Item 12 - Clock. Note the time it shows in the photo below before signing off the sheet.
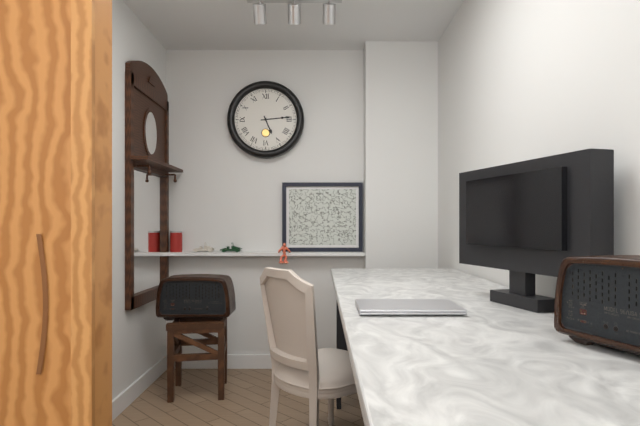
5:14
